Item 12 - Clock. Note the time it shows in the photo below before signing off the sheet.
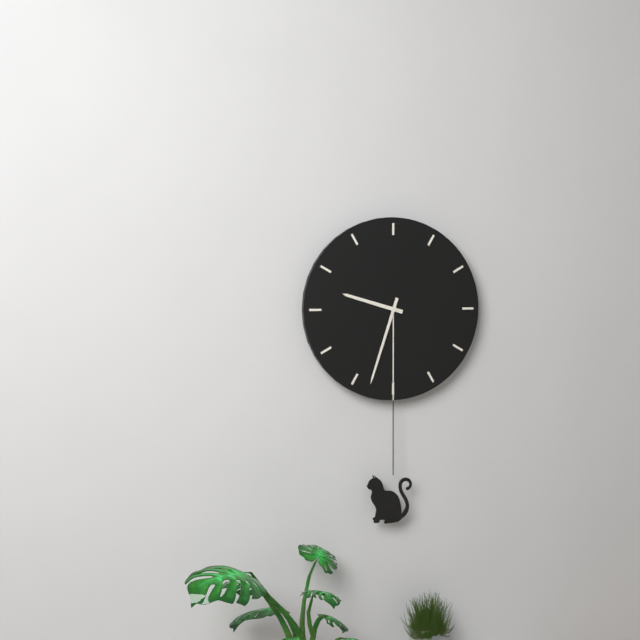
9:33
